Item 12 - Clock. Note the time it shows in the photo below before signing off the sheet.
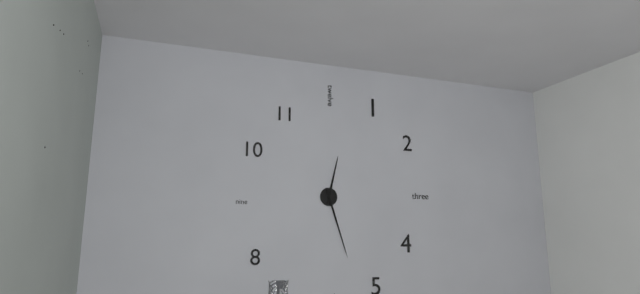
12:27
